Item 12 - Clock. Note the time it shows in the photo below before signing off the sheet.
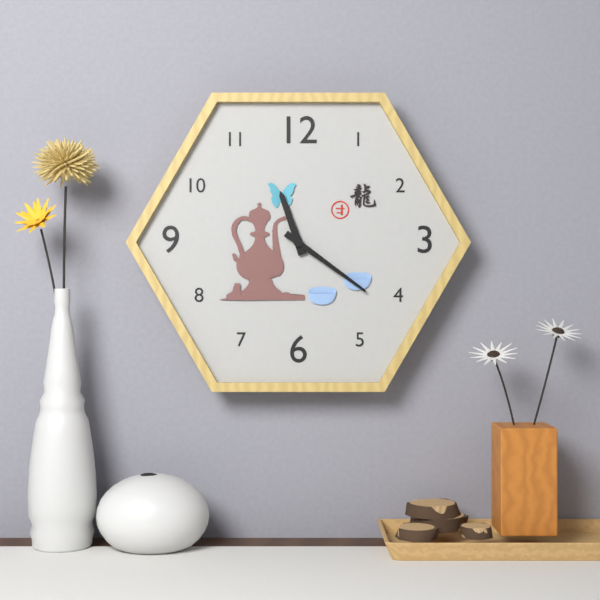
11:21
